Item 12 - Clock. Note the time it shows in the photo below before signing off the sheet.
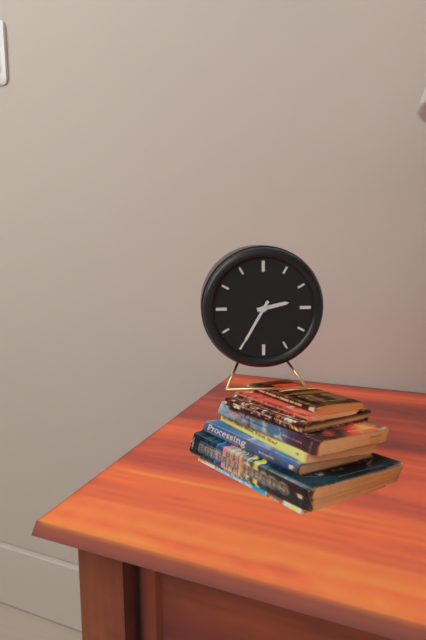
2:35
